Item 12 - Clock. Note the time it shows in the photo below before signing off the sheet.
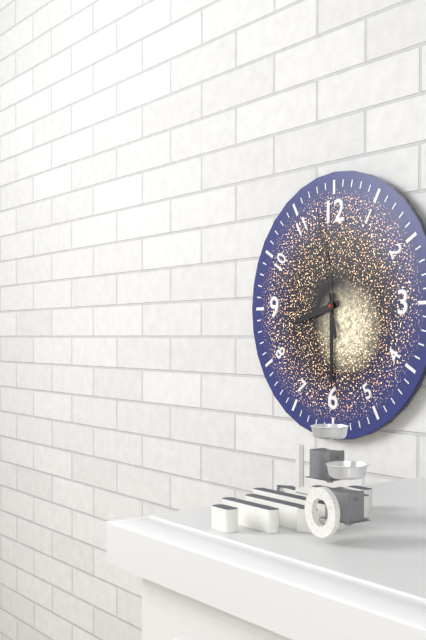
8:30:58
